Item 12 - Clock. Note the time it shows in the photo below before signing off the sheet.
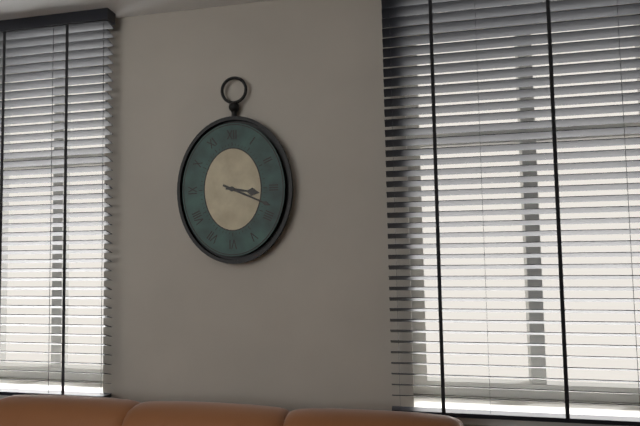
3:19
